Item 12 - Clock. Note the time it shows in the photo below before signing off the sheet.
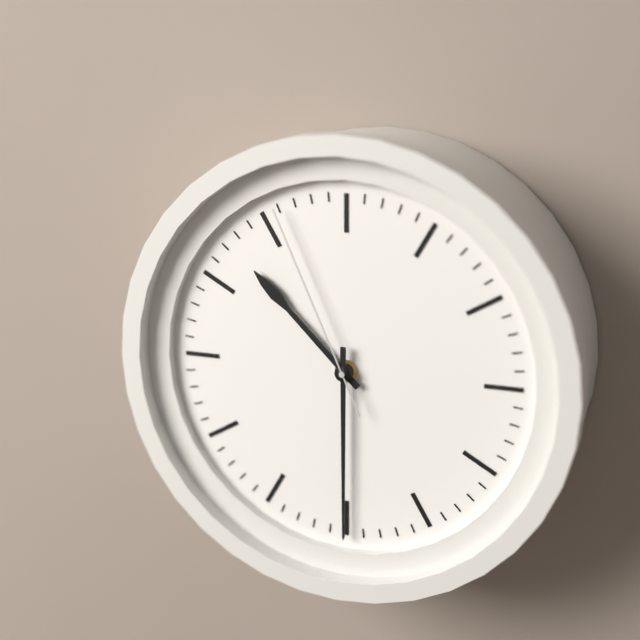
10:30:56
